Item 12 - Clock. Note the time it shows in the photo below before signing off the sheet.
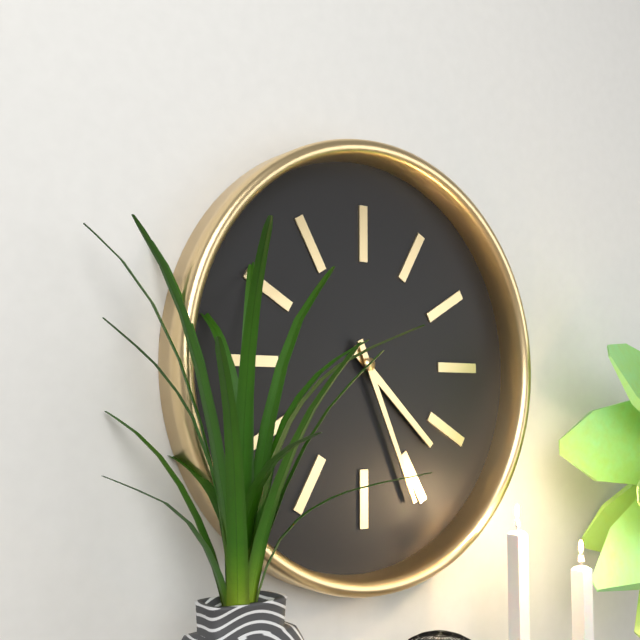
4:26
